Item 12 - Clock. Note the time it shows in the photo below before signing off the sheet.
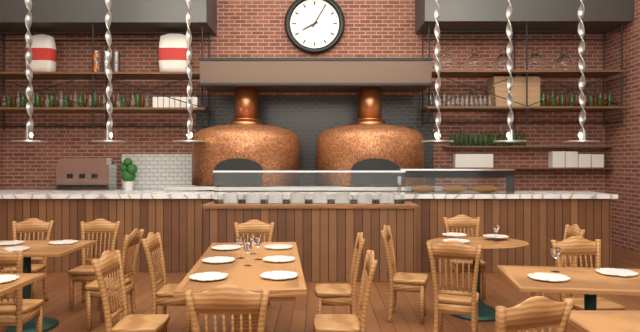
8:05
